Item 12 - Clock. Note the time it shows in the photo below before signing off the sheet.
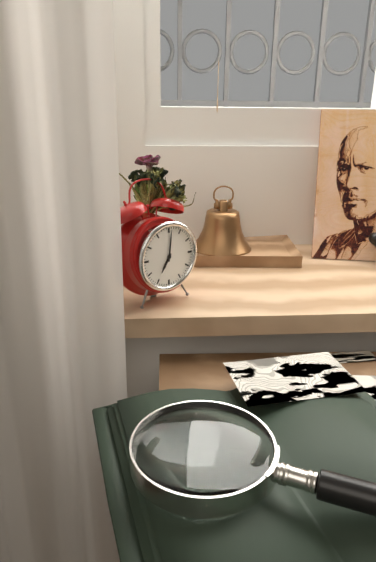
7:01
